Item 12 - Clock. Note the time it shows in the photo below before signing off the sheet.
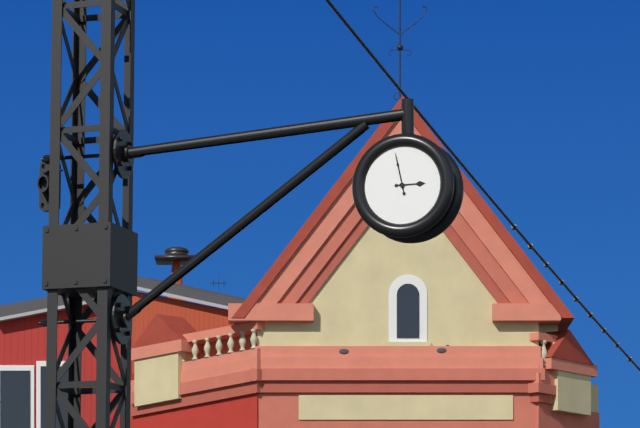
2:58
